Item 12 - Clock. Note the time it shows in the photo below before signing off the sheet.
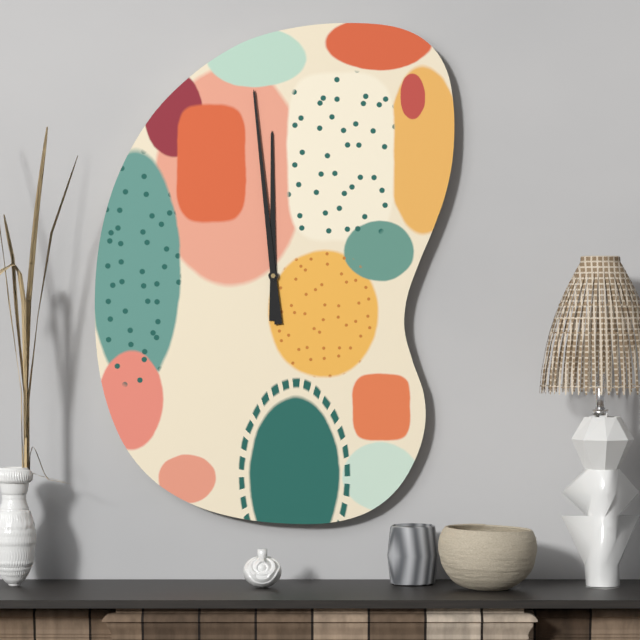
11:59
